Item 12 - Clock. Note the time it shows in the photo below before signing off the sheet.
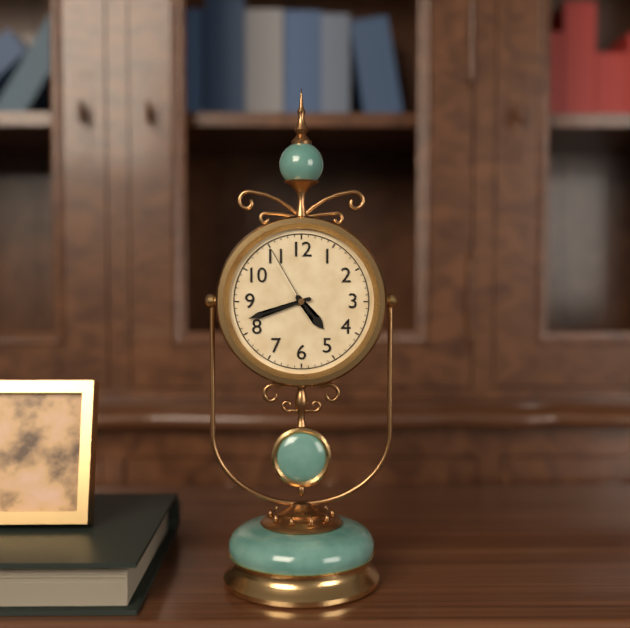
4:42:55
